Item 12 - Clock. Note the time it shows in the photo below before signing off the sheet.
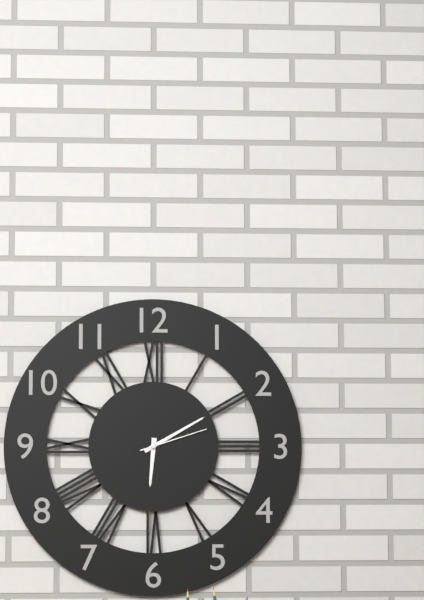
6:10:12
